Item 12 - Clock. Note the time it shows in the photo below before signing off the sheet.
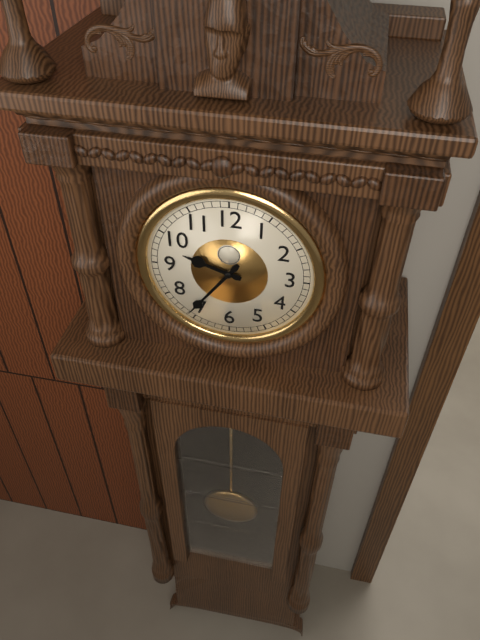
9:36
